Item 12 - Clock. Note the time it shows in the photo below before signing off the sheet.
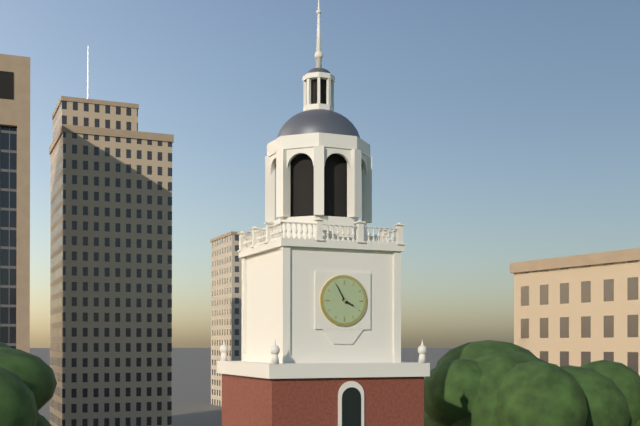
3:55
